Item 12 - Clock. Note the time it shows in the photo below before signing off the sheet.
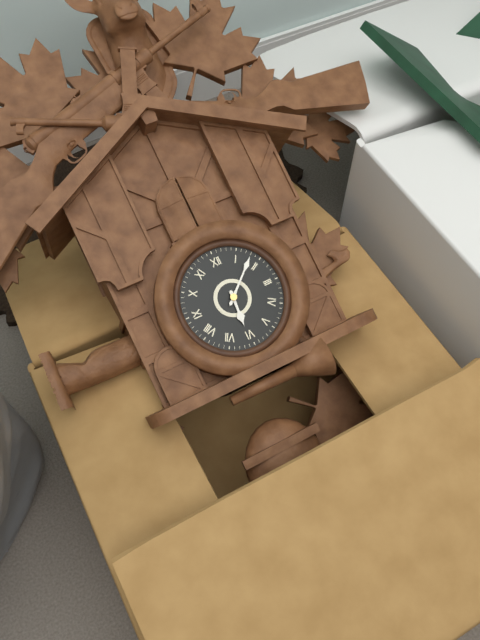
6:08
